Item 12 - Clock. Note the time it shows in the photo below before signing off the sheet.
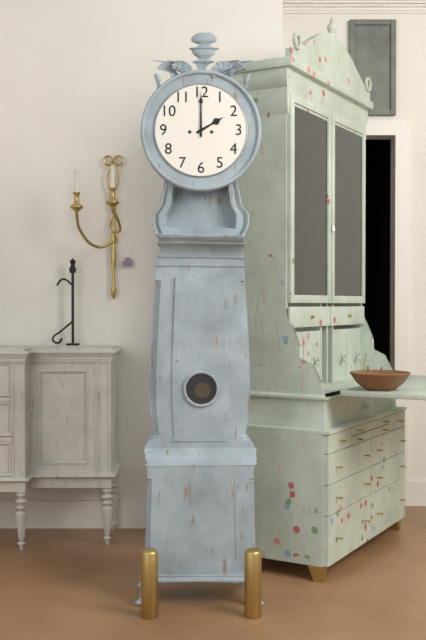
2:00
